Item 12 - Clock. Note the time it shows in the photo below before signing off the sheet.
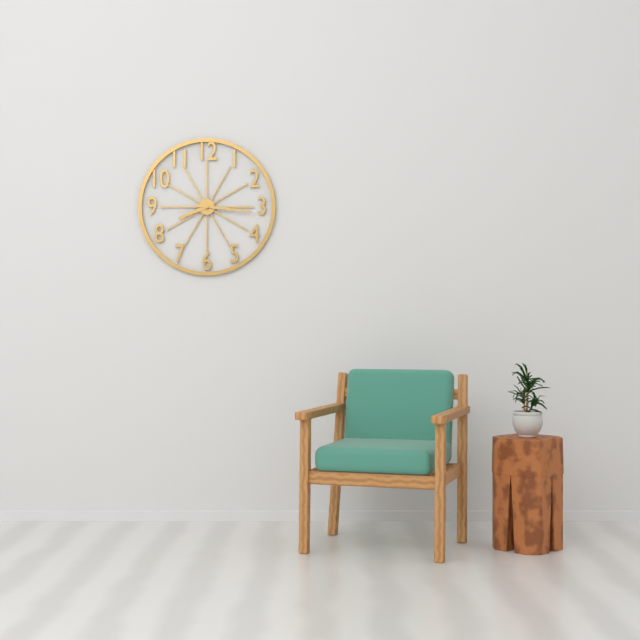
8:16
